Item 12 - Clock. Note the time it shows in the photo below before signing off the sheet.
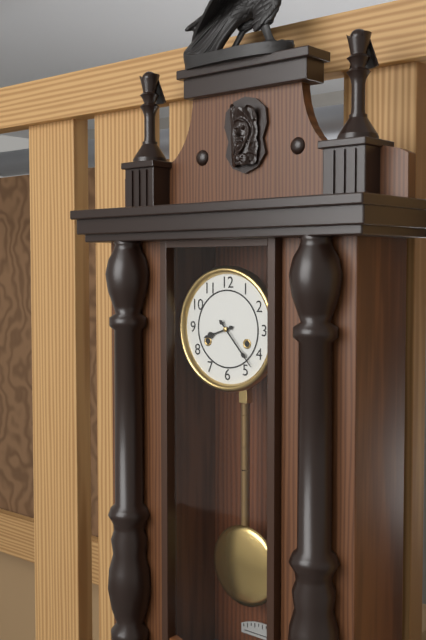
8:23
